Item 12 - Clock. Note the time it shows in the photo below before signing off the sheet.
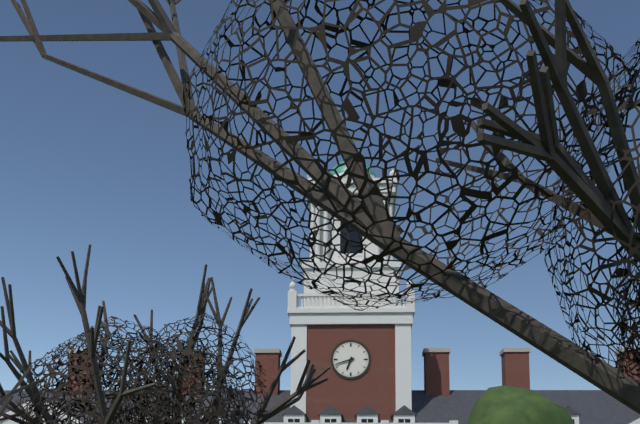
6:42
